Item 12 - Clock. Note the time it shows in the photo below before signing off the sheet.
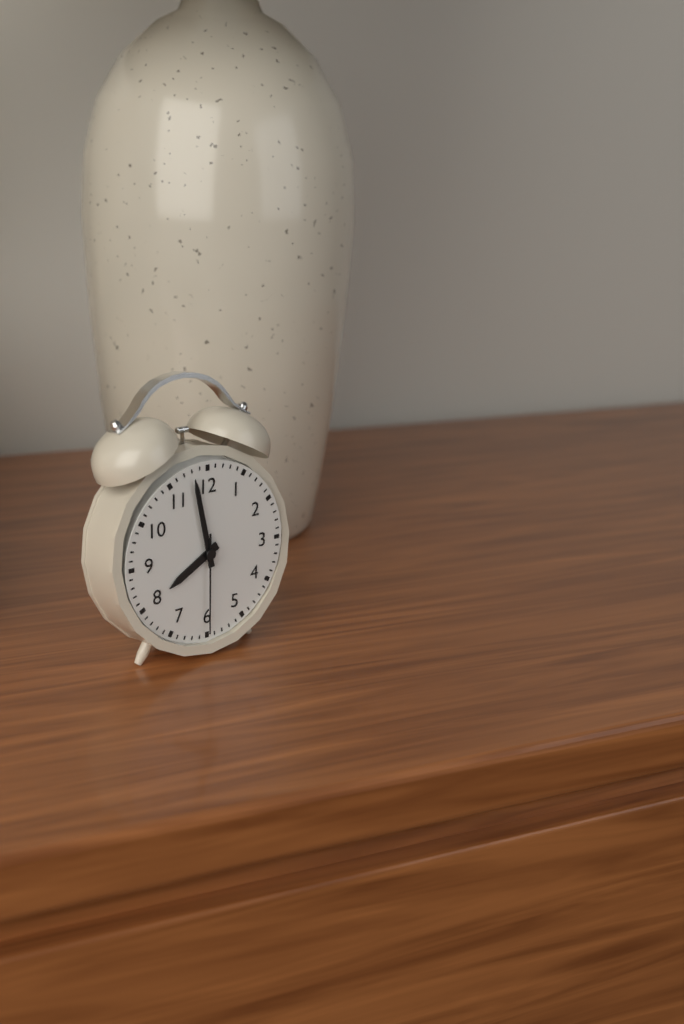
7:58:30
